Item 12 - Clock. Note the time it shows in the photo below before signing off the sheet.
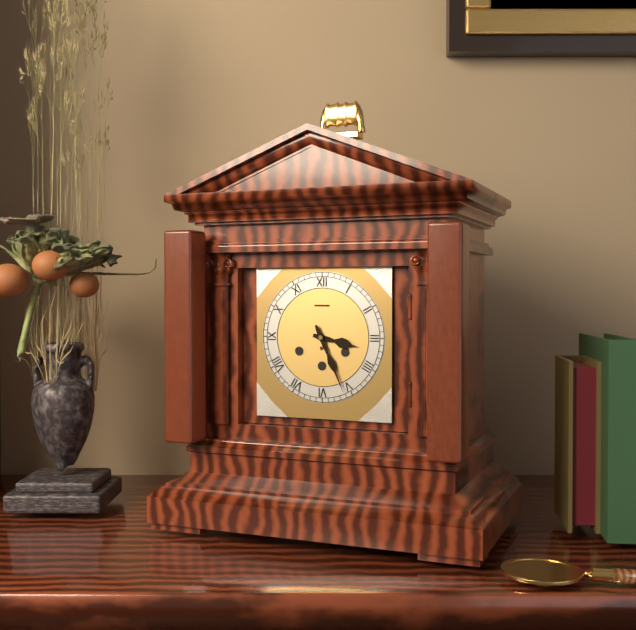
3:26
